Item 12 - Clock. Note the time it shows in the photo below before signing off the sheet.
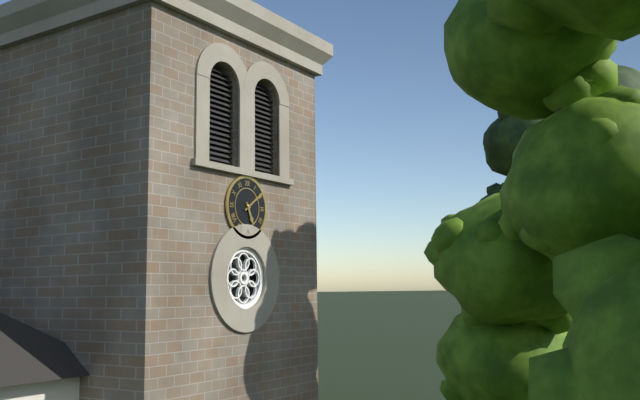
5:09
